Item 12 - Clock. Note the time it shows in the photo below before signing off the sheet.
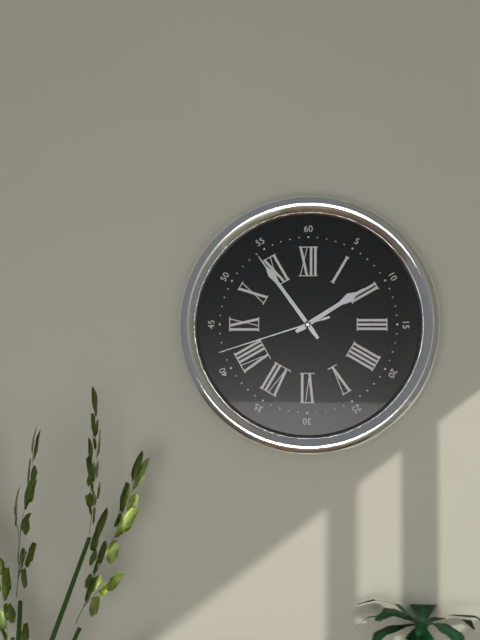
1:54:42
